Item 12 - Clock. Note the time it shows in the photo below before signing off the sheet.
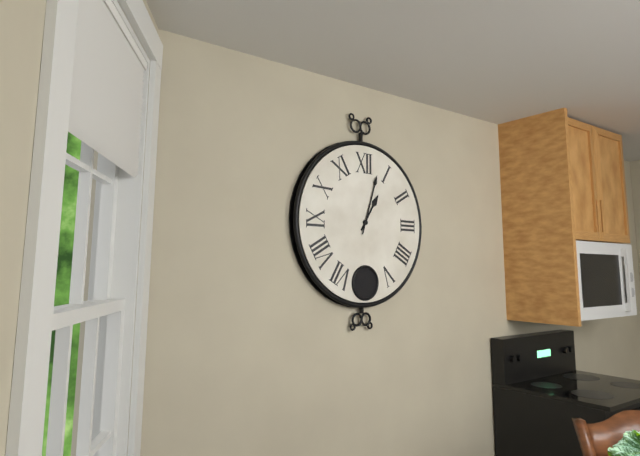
1:03
